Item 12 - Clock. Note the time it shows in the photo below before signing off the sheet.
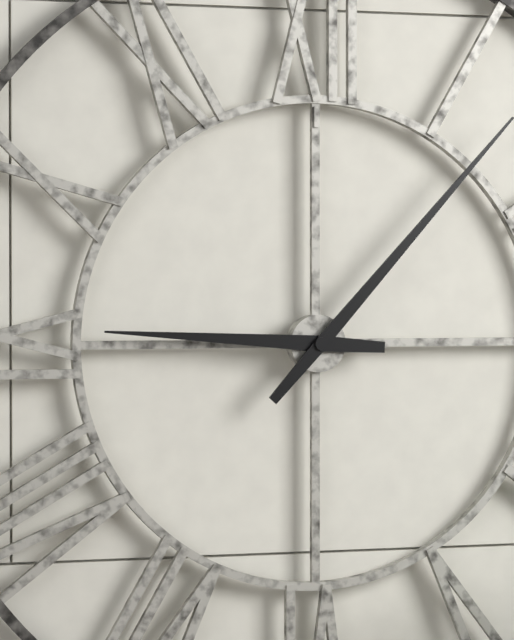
9:07
